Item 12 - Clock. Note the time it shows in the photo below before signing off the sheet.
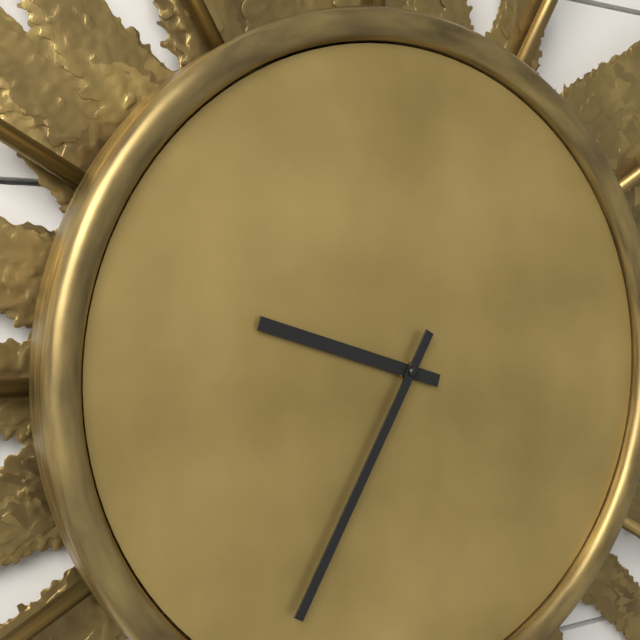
9:35
